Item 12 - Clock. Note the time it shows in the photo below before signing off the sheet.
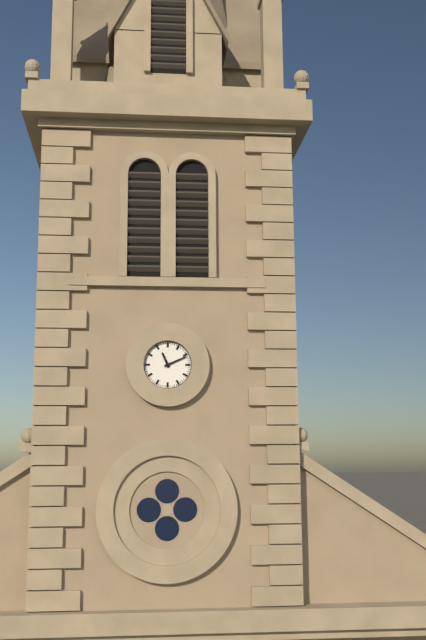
11:11
